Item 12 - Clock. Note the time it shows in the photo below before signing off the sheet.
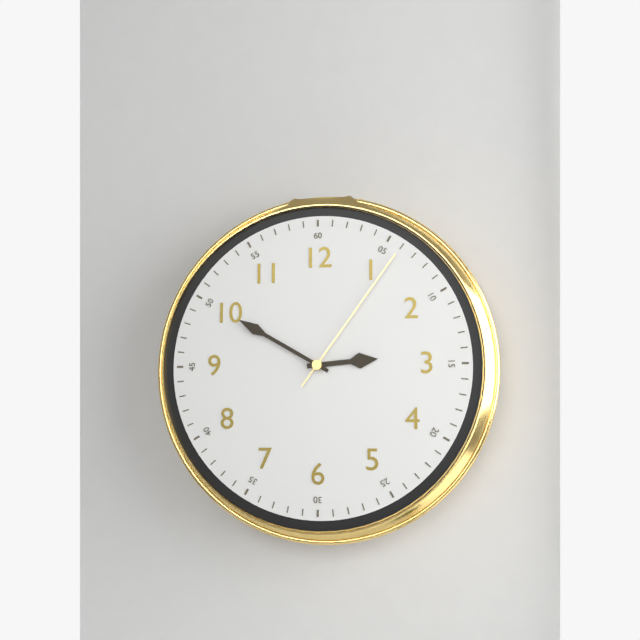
2:50:06
